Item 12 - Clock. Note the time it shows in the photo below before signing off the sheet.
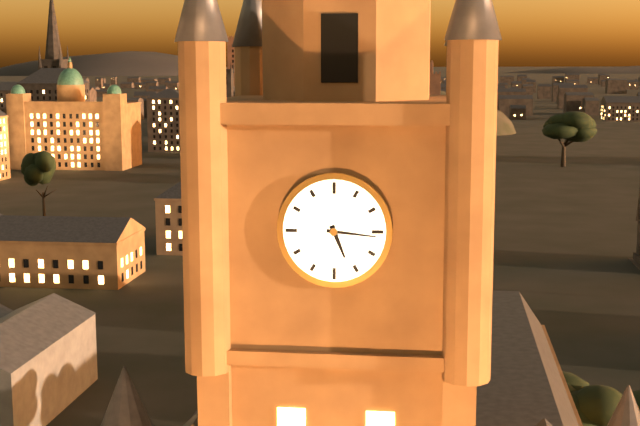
5:16
